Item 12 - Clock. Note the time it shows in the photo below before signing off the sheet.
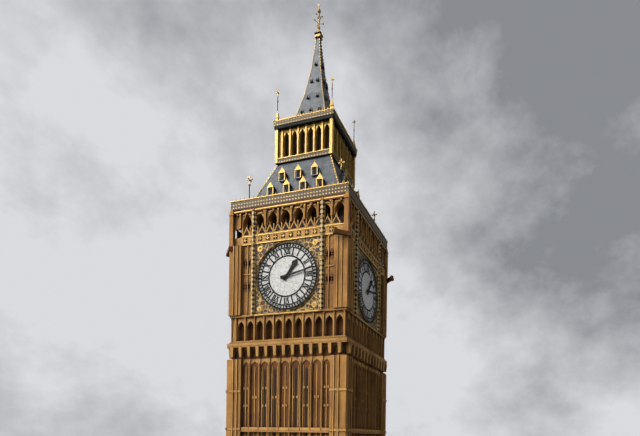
1:13
